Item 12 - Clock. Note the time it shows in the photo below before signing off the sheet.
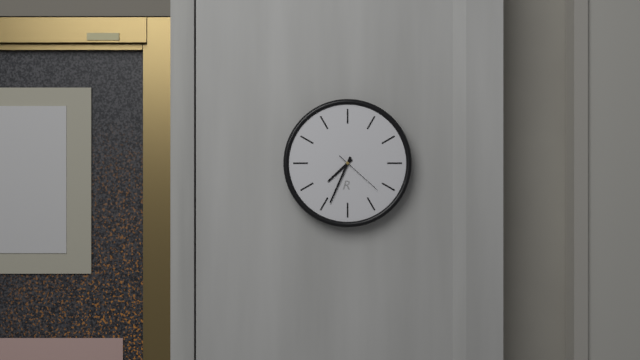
7:34:22
